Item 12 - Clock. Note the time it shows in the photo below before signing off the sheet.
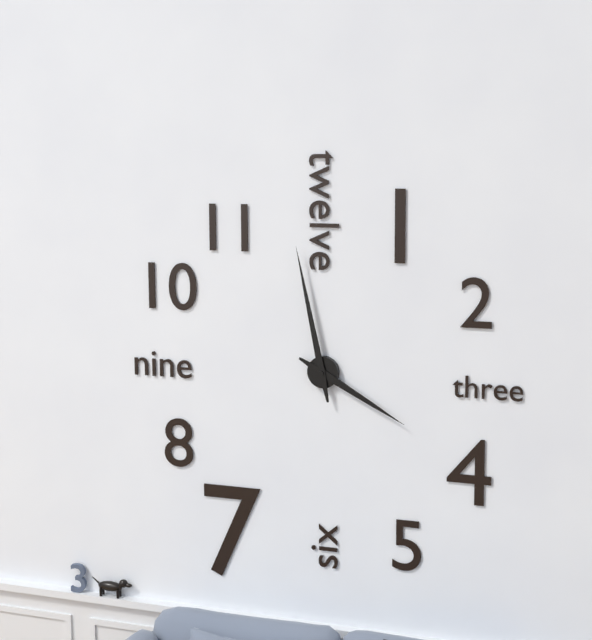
3:58
